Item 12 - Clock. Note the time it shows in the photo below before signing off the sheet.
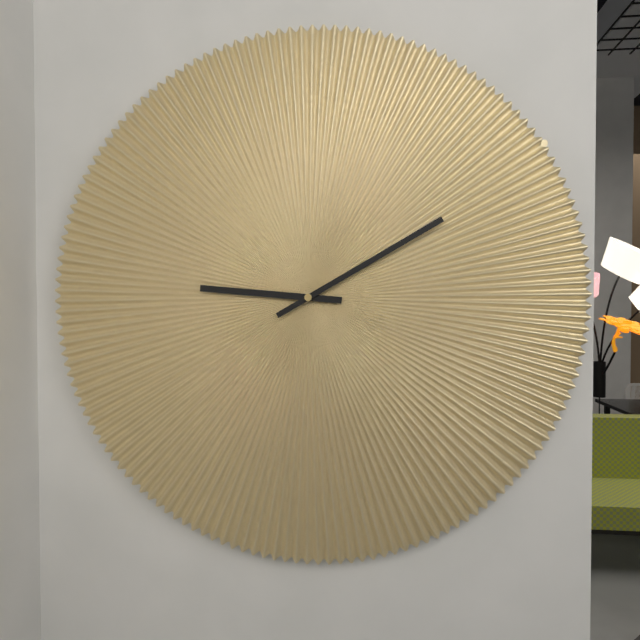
9:10
